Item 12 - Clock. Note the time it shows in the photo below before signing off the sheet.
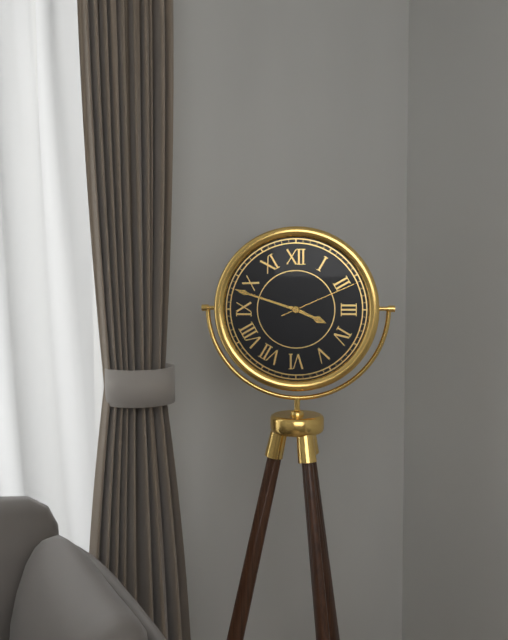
3:48:11
